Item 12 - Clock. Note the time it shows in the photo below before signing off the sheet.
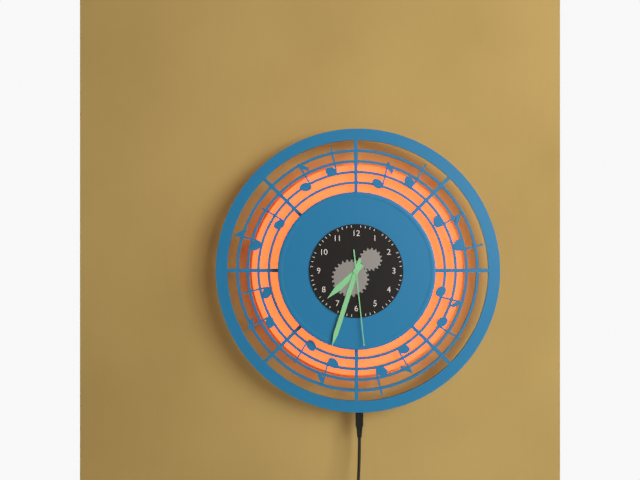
7:33:29
